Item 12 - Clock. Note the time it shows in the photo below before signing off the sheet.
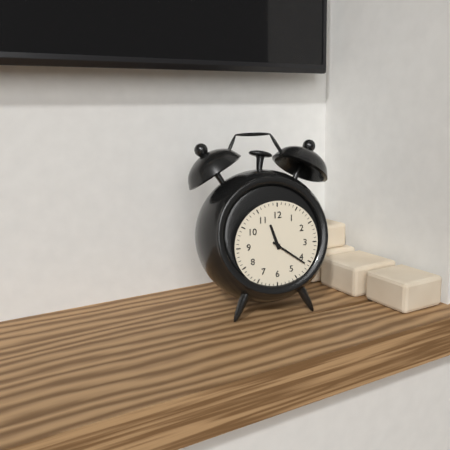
11:21
